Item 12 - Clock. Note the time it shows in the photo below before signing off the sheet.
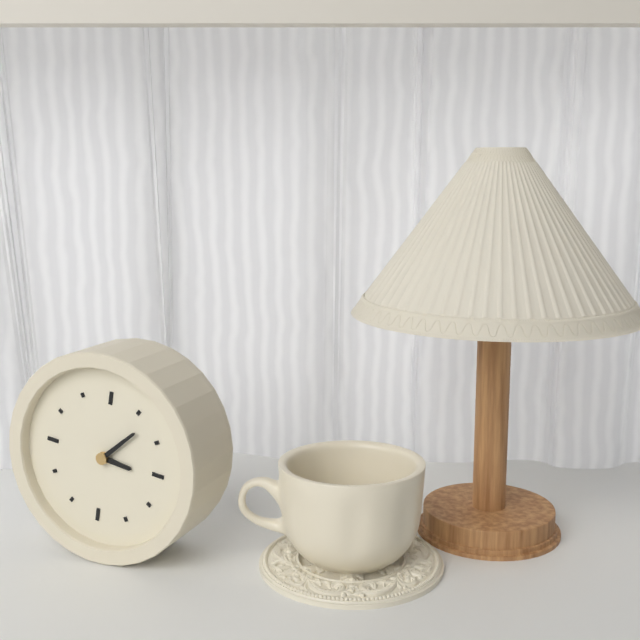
3:07
